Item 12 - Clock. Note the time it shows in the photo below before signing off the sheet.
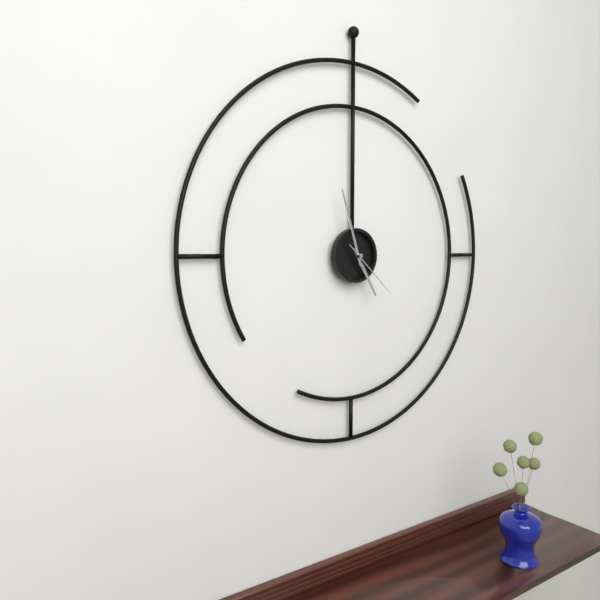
4:57:22
